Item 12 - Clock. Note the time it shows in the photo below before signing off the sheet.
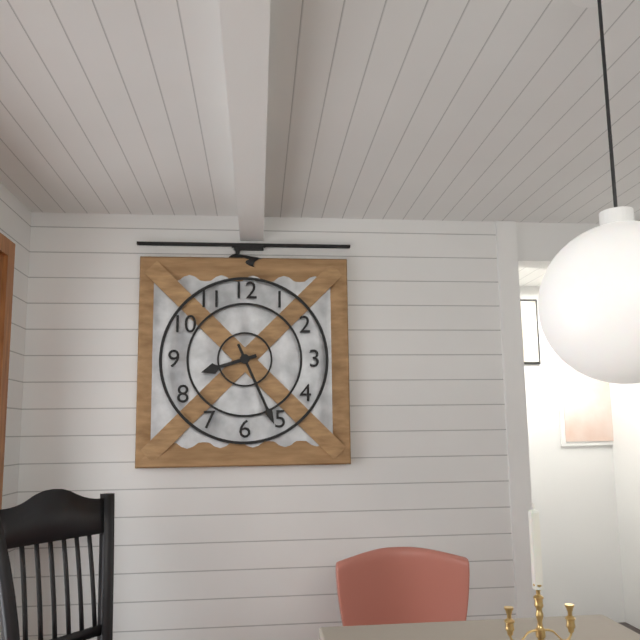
8:26
